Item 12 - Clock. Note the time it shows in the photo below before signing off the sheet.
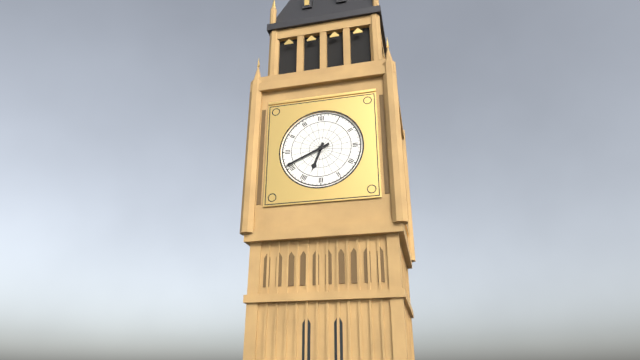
6:41
